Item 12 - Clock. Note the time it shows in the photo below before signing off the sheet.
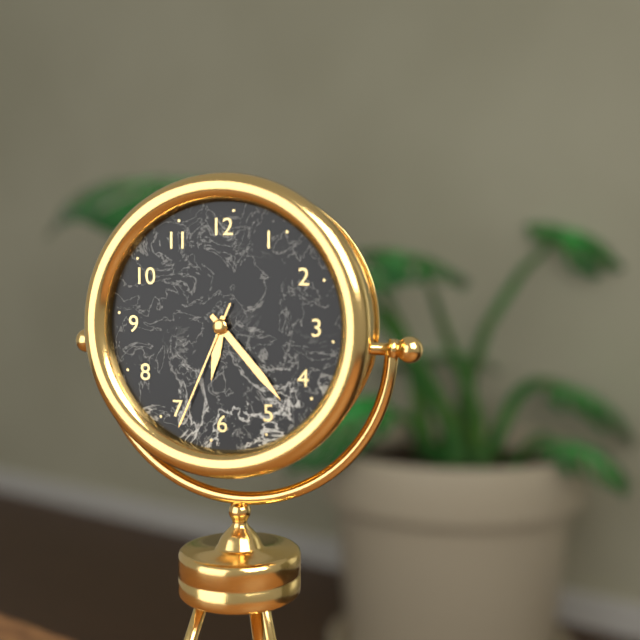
6:23:34
